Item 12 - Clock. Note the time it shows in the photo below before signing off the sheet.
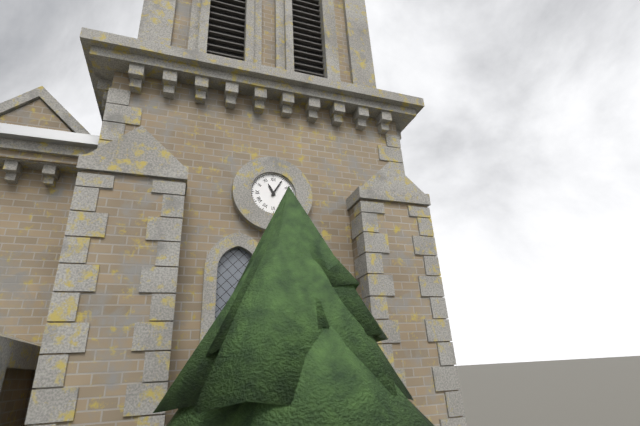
11:05
